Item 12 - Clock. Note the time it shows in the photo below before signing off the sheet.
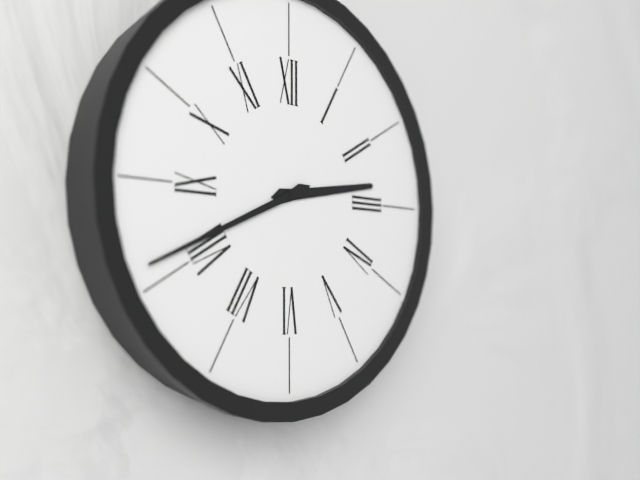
2:41
